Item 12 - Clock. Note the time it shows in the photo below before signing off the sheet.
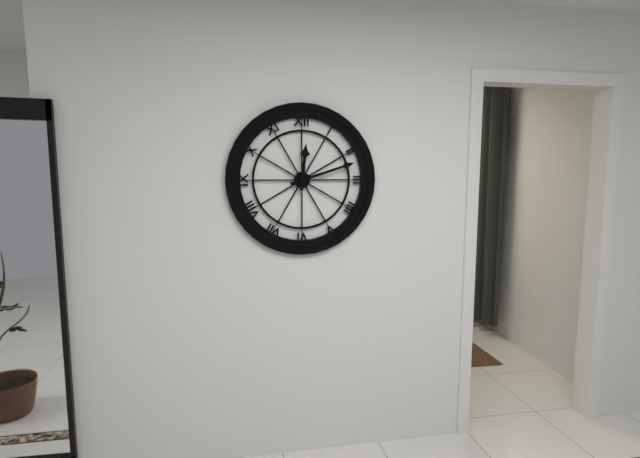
12:12
